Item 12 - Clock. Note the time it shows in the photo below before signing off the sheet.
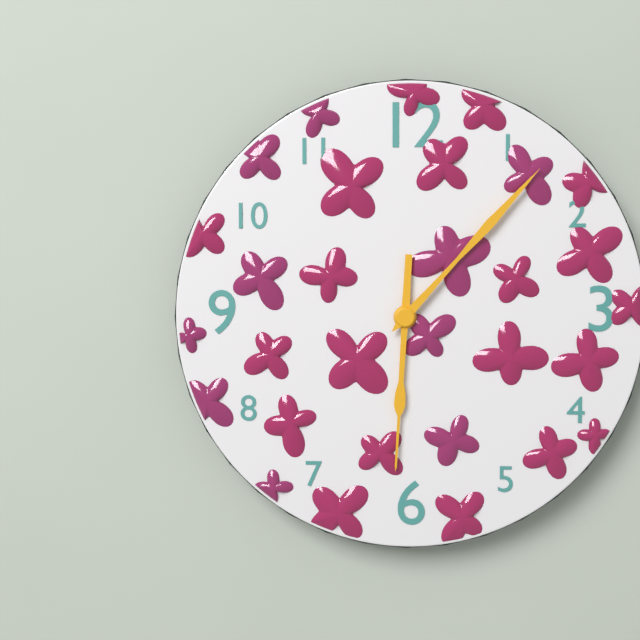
6:07
